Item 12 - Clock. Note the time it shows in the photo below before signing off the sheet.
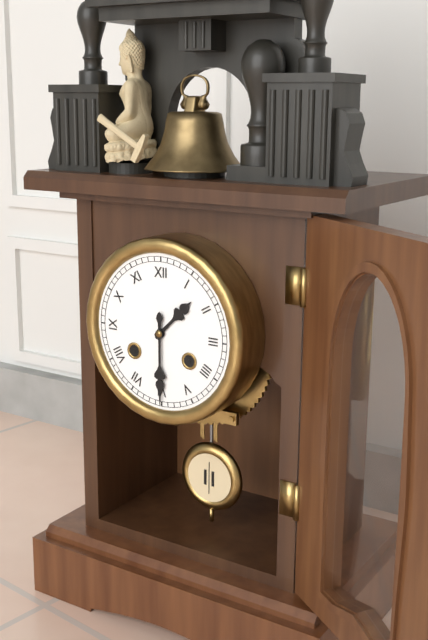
1:30
